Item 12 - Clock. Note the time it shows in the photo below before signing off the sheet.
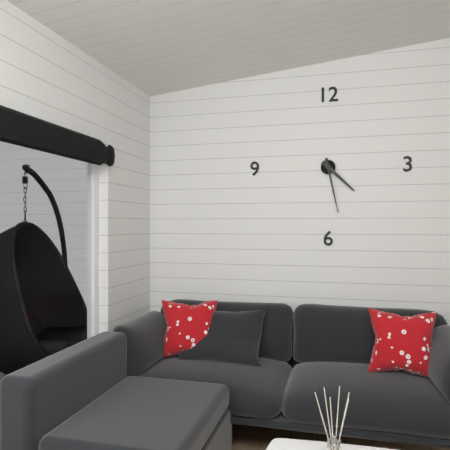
4:28
